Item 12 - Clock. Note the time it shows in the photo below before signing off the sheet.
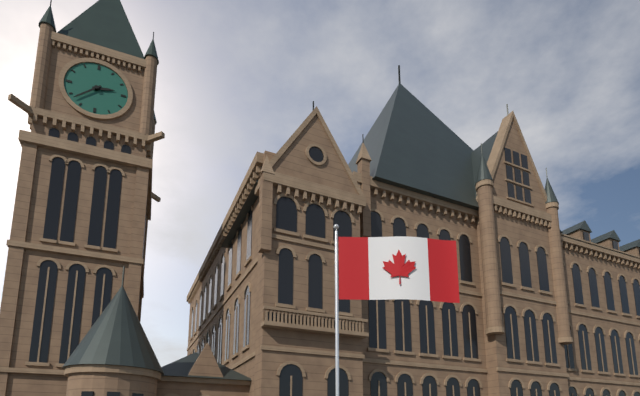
2:38
